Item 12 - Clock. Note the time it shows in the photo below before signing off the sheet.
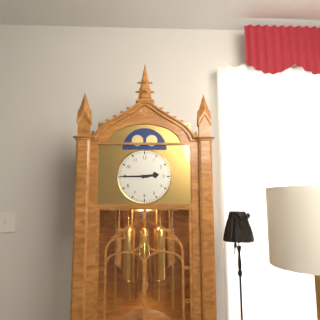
2:45
